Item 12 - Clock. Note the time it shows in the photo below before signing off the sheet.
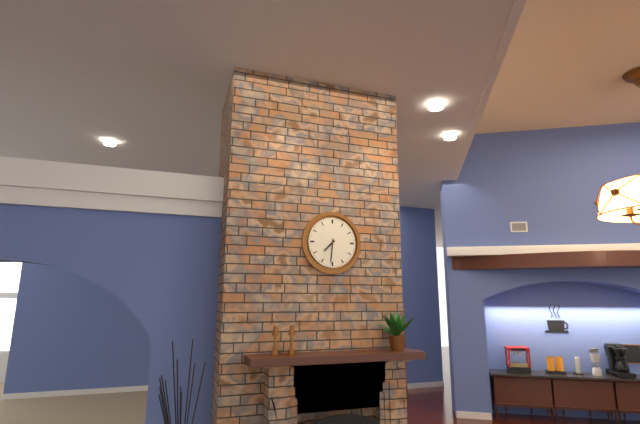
7:31
